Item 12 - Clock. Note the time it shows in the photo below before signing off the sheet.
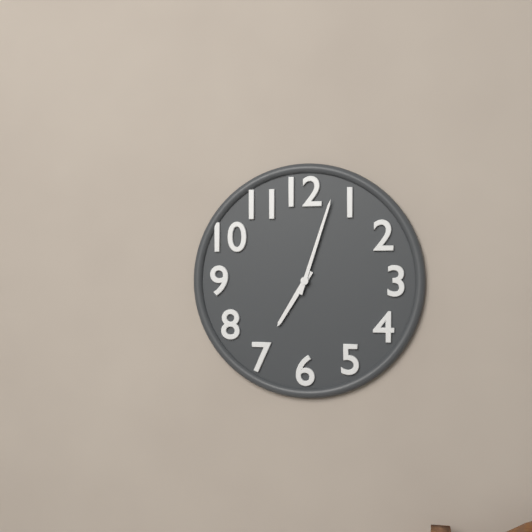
7:03
